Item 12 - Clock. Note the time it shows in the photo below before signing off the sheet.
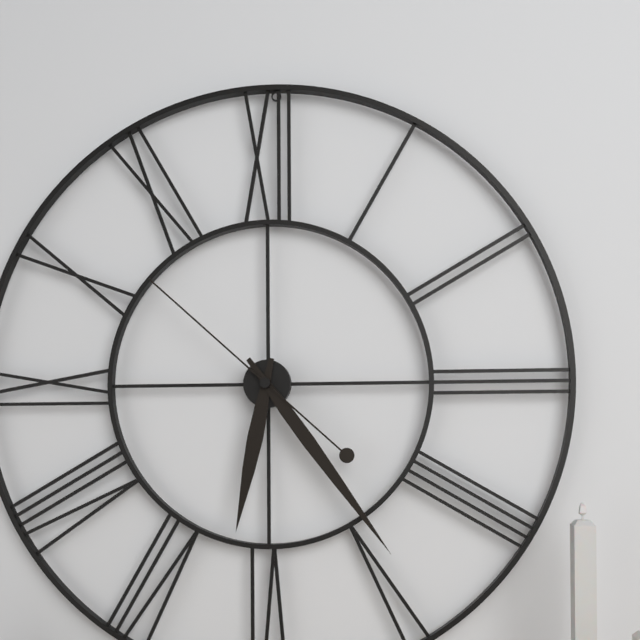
6:24:52
